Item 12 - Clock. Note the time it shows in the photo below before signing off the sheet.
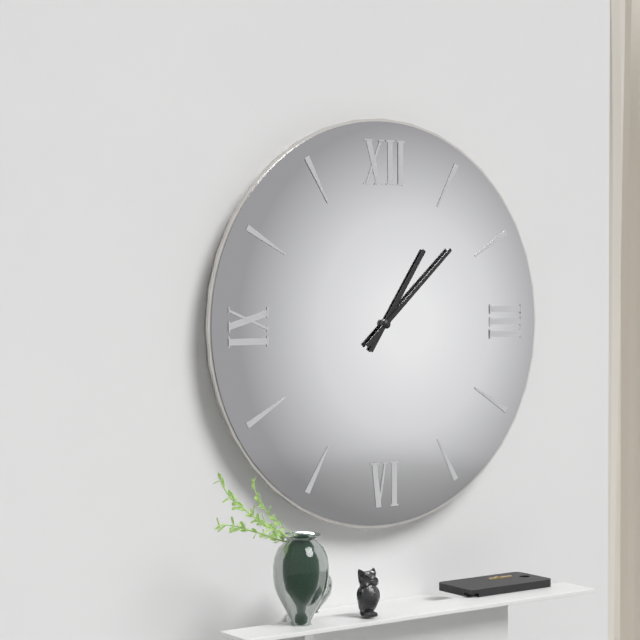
1:08
